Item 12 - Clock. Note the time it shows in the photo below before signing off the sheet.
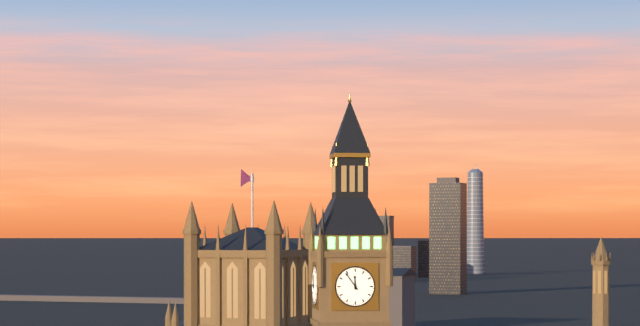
11:54
